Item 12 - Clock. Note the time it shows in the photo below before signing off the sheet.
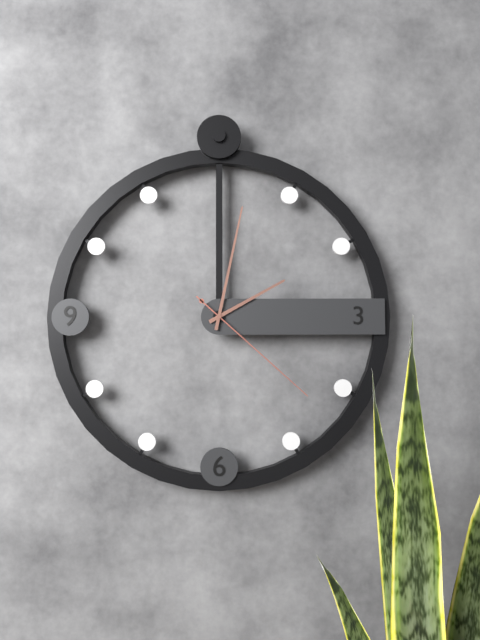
2:02:22
